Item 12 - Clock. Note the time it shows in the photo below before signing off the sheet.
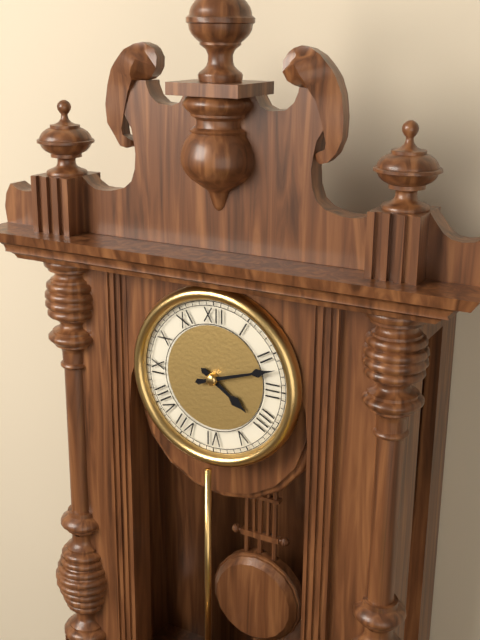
4:12
